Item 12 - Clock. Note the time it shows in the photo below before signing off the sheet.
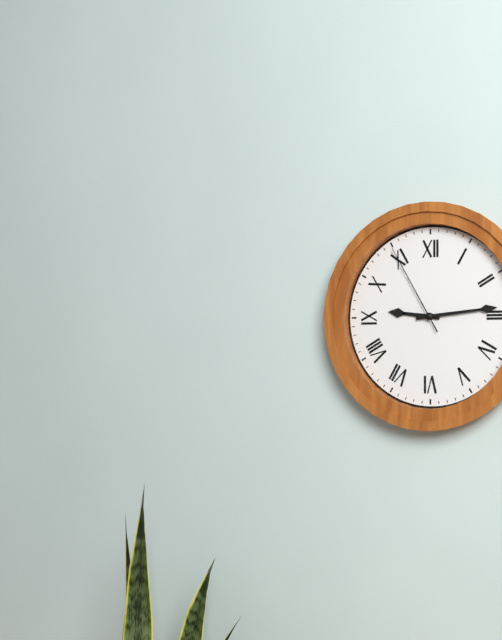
9:14:55
